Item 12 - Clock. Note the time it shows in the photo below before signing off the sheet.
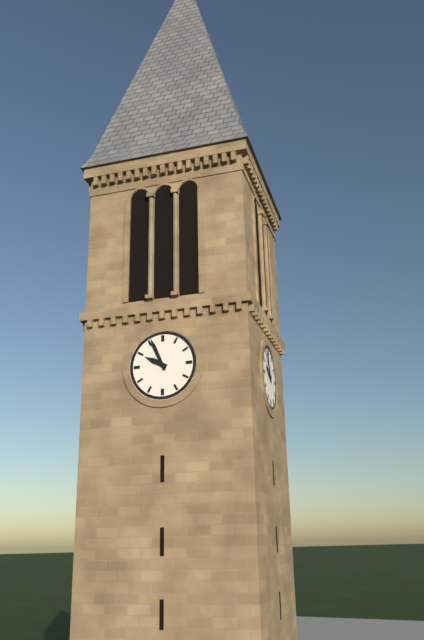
9:56
